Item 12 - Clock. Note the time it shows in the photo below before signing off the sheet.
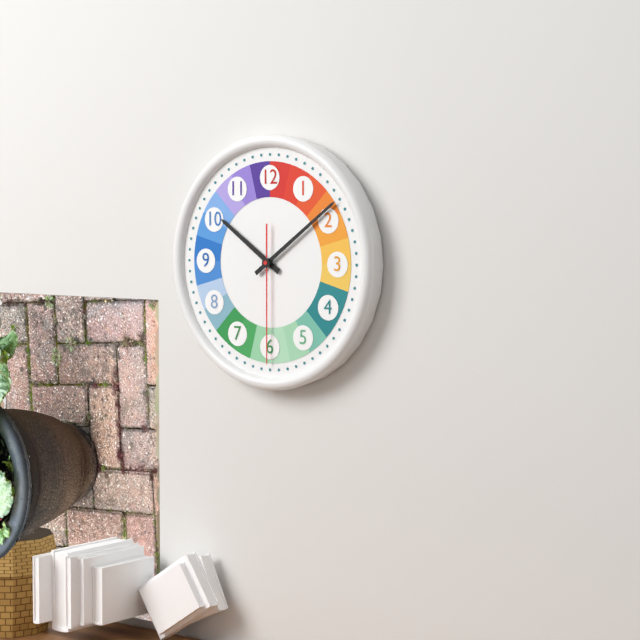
10:09:30
